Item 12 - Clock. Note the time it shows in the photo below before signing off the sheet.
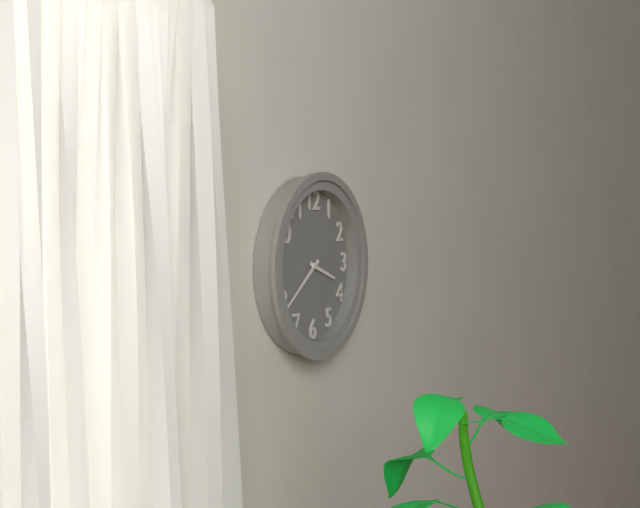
3:39
